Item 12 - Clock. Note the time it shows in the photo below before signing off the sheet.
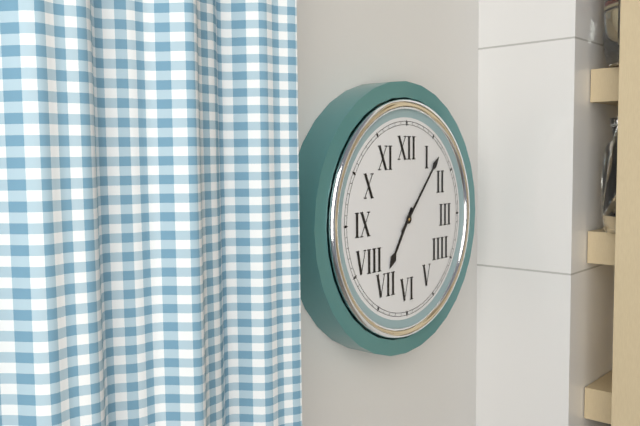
7:07
